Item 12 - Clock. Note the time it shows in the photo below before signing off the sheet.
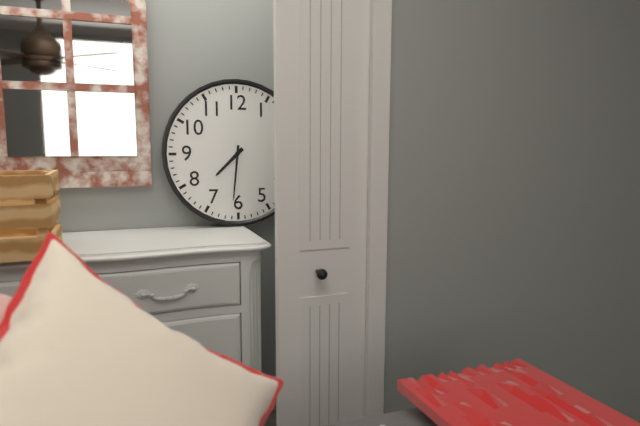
7:31
